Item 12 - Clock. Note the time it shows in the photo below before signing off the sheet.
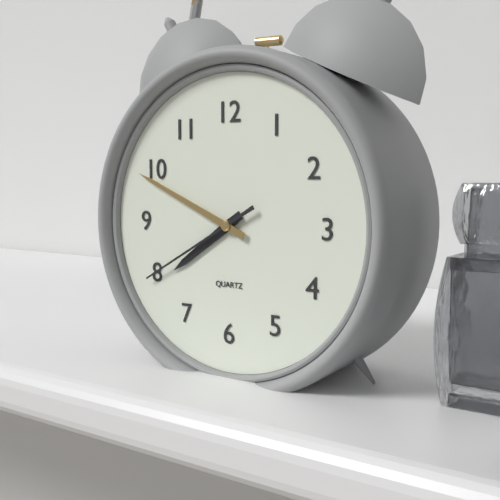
7:49:40
